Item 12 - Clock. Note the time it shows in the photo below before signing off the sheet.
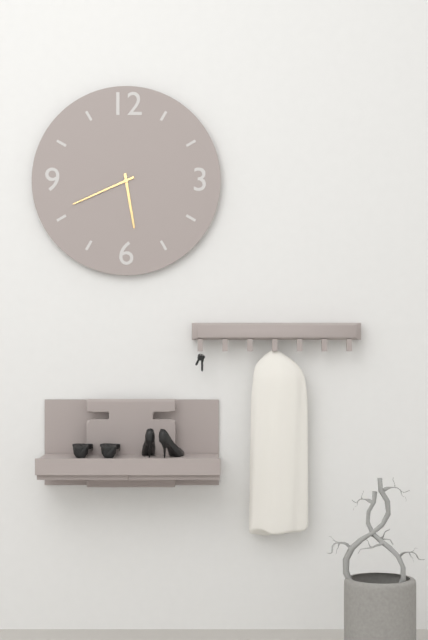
5:41
